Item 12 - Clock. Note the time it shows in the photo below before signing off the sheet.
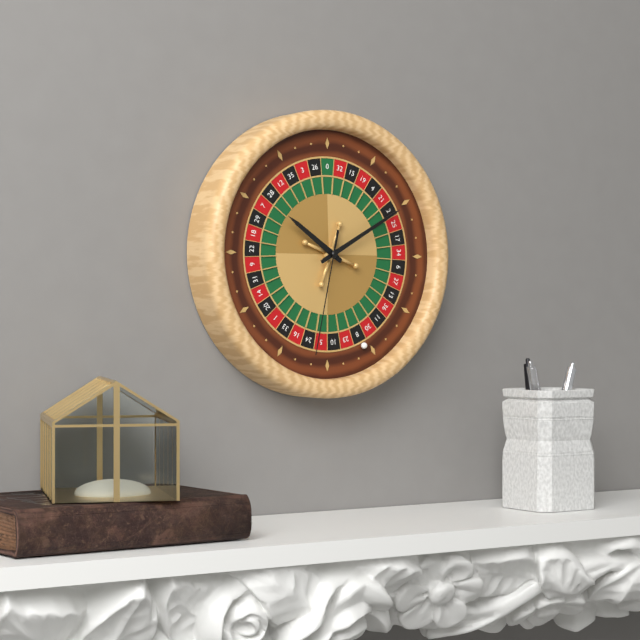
10:10:32
